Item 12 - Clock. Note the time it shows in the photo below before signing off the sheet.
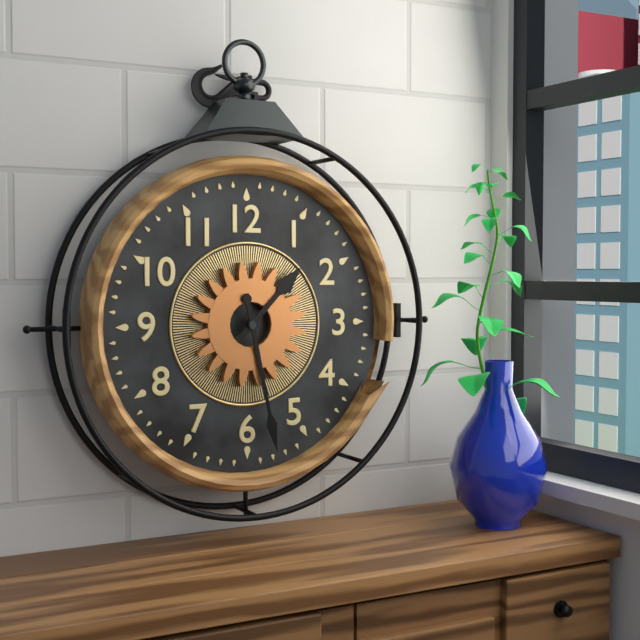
1:28
